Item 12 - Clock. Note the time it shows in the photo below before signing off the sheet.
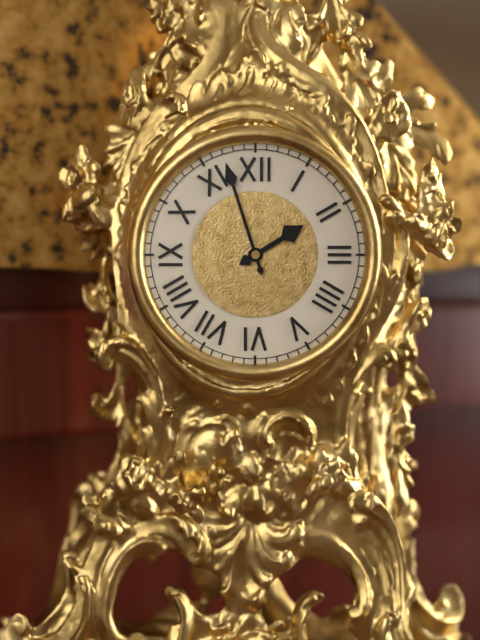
1:57
